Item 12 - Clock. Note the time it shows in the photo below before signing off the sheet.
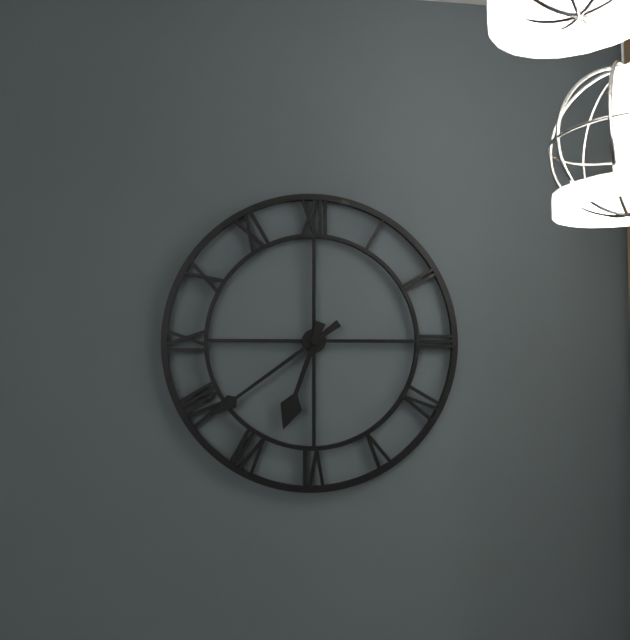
6:39
